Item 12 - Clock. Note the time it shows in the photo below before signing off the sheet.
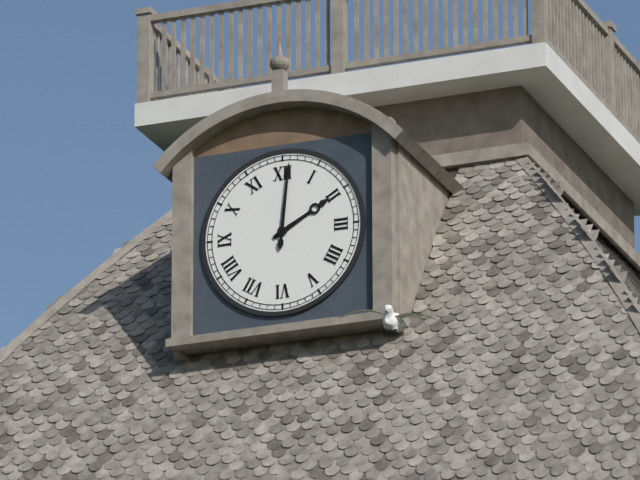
2:01
